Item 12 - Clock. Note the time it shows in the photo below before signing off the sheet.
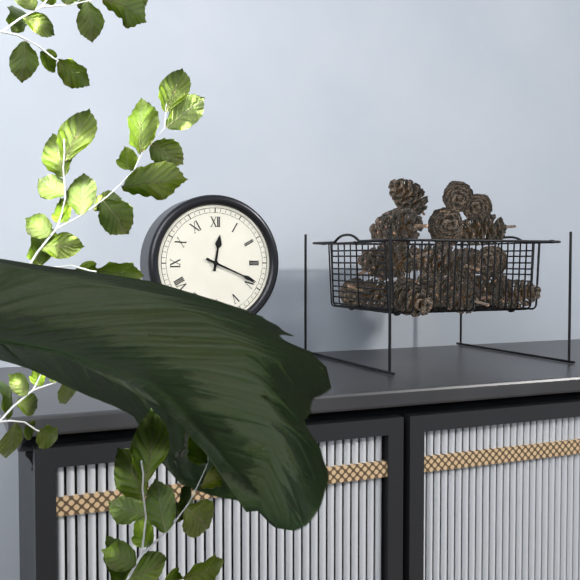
12:19
